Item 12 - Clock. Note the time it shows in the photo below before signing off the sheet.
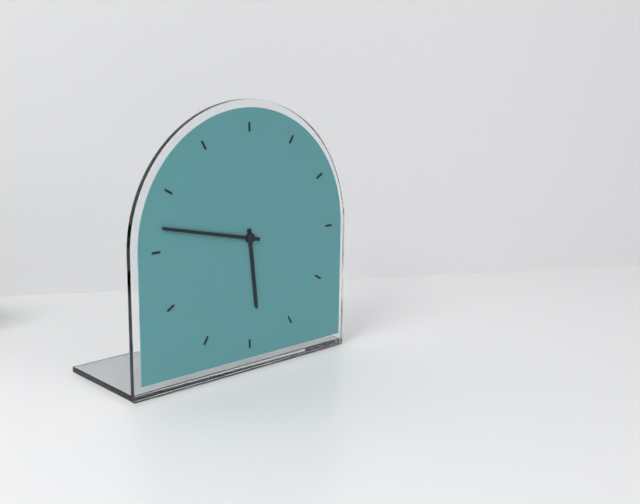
5:47
